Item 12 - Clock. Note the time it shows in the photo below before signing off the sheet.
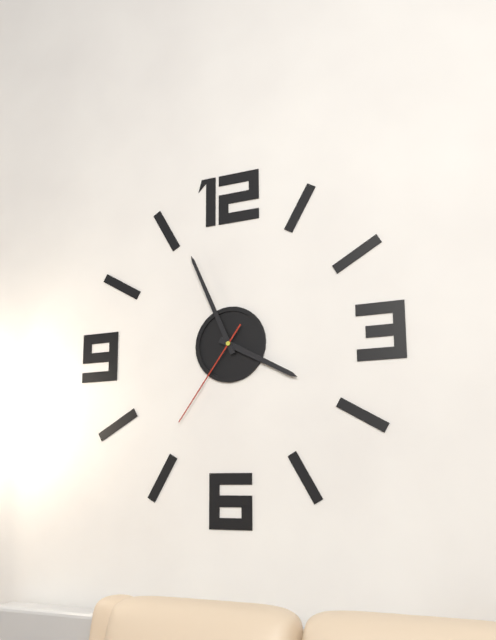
3:56:36
